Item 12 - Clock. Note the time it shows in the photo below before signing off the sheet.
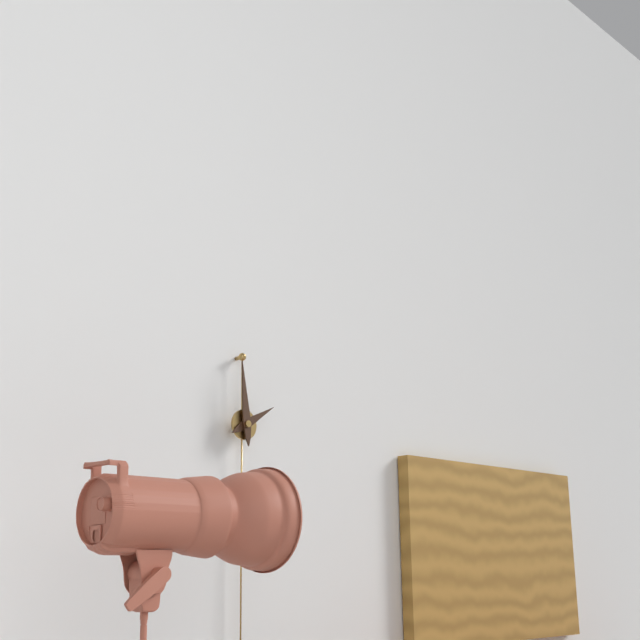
1:59
